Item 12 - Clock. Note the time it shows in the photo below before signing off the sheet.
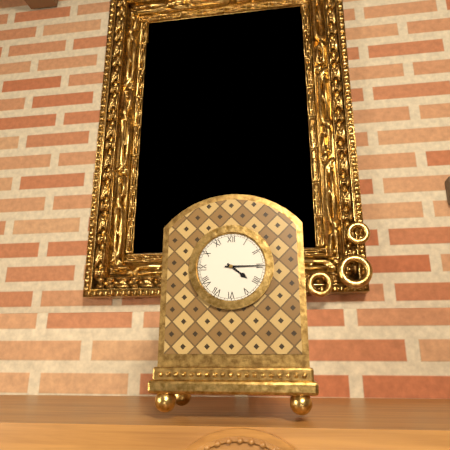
4:15
